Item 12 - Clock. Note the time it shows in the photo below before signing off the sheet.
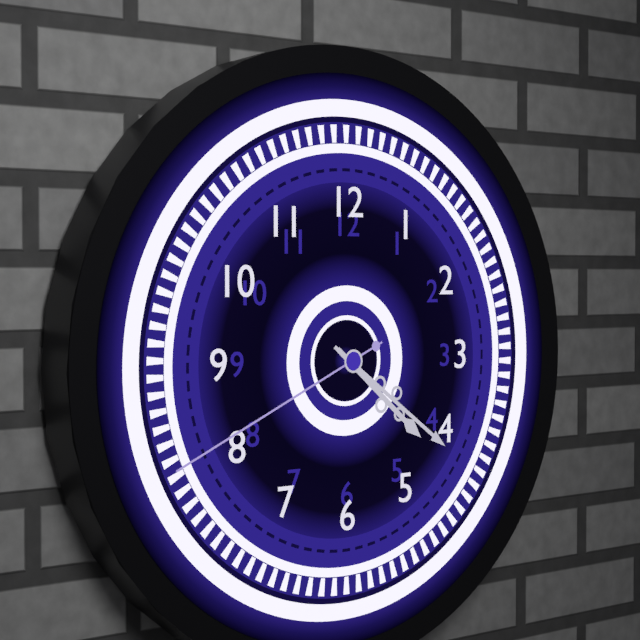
4:21:41
